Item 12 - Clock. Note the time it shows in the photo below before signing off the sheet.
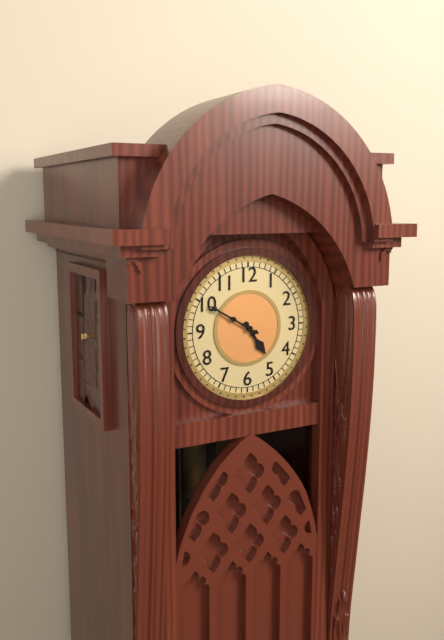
4:50
